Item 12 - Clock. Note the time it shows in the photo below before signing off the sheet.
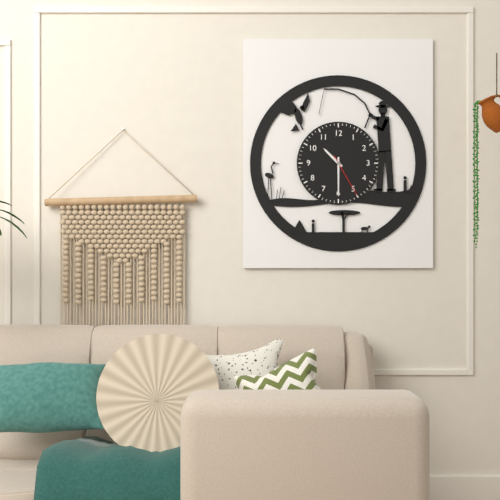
10:30
